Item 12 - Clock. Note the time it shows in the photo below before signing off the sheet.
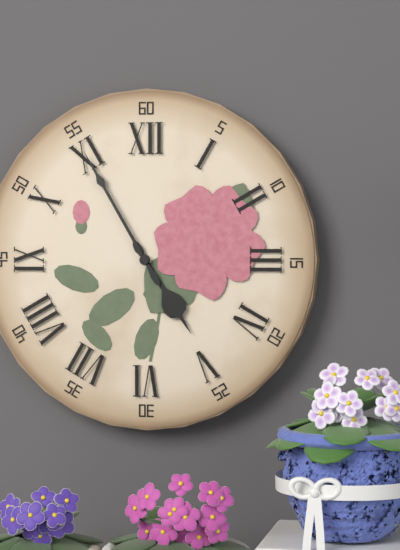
4:55
